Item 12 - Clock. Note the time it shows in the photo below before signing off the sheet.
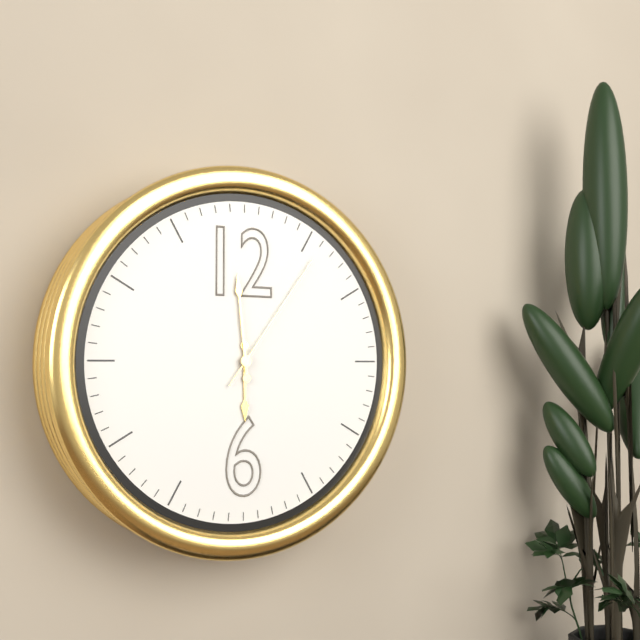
5:59:06
